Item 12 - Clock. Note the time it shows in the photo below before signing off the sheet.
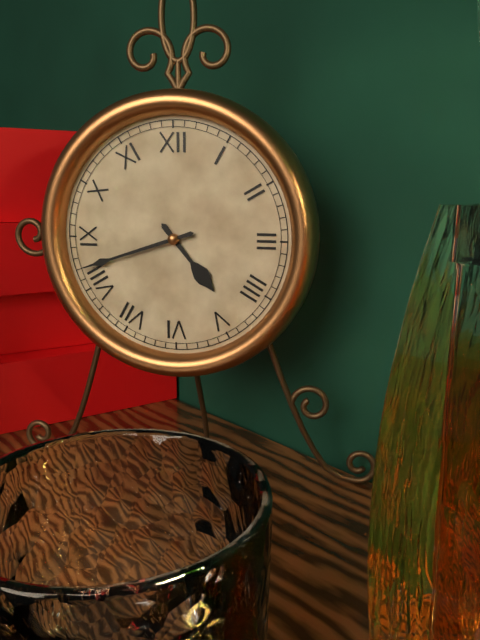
4:42
